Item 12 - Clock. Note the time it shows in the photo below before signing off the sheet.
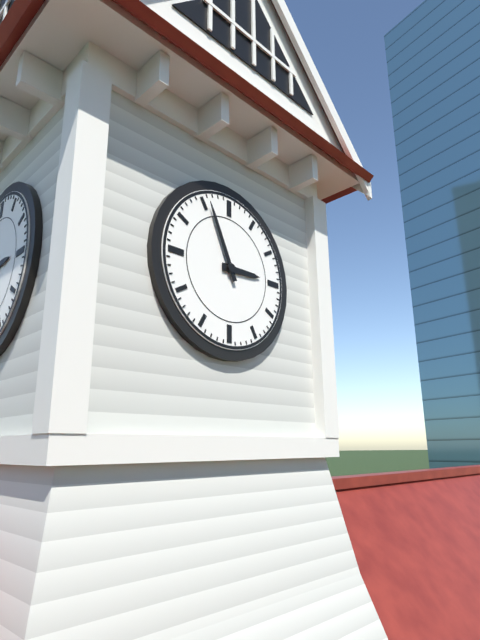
2:56
